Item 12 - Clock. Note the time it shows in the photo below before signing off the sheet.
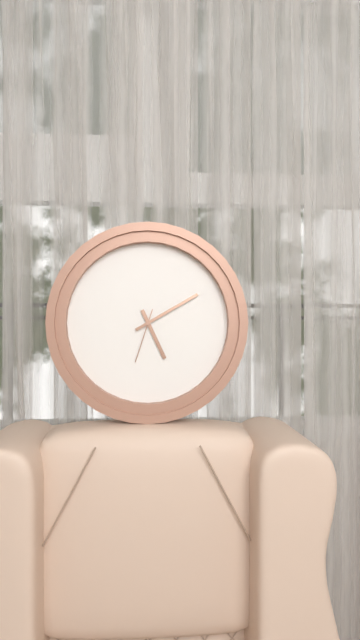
5:10:33
